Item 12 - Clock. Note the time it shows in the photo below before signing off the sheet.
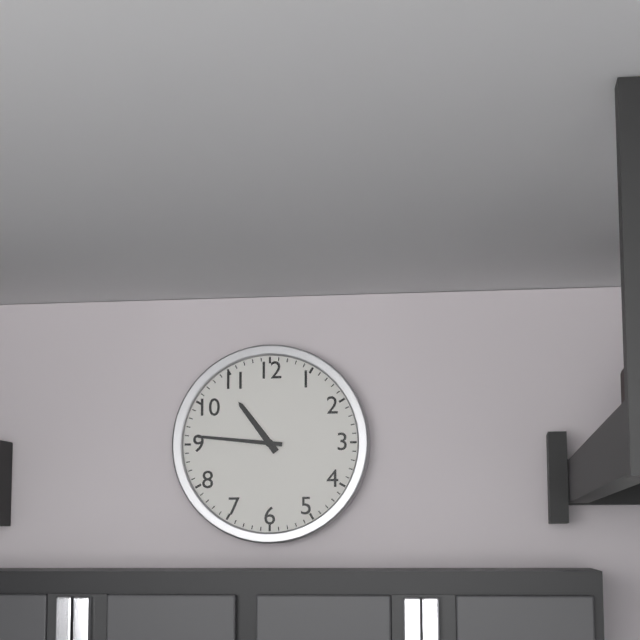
10:46
